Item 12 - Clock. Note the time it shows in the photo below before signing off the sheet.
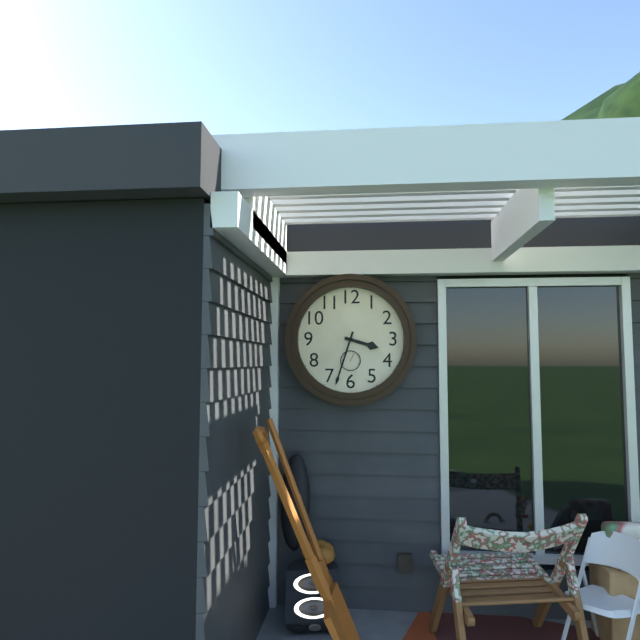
3:33
